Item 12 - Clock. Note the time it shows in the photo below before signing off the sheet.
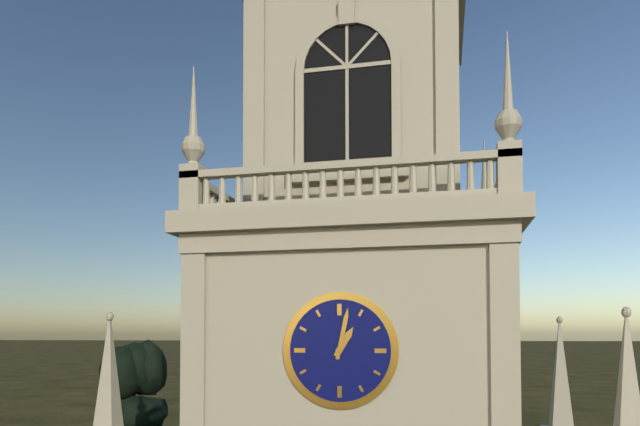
1:02
